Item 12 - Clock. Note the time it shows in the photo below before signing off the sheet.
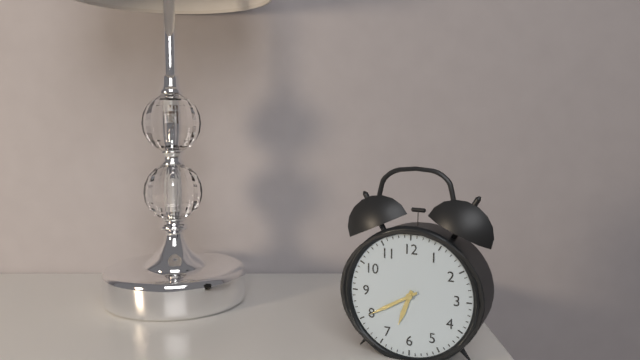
6:40
